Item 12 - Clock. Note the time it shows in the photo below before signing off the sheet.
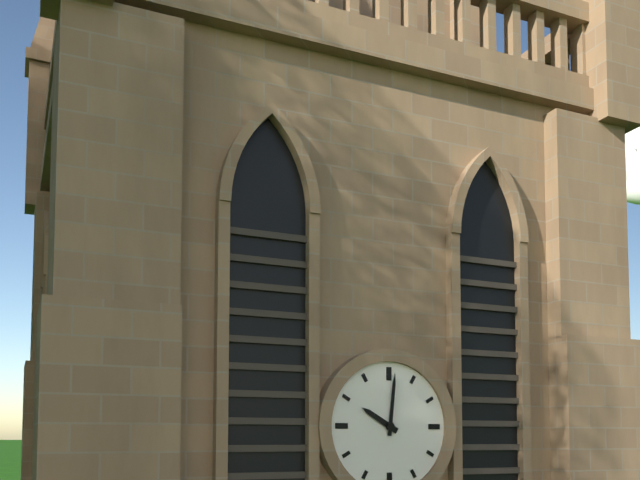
10:01
